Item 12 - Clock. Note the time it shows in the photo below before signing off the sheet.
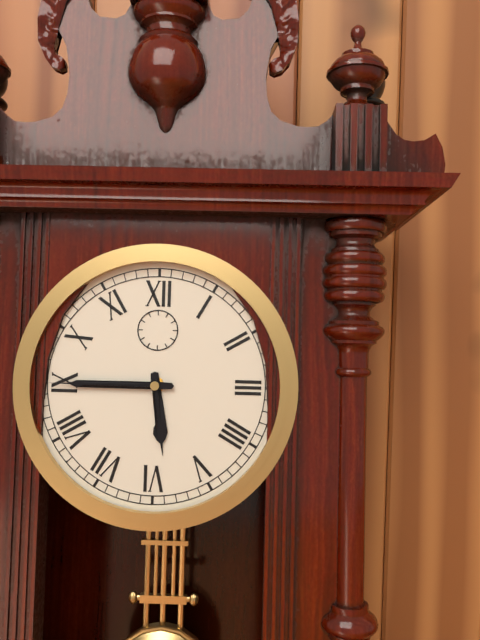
5:45
